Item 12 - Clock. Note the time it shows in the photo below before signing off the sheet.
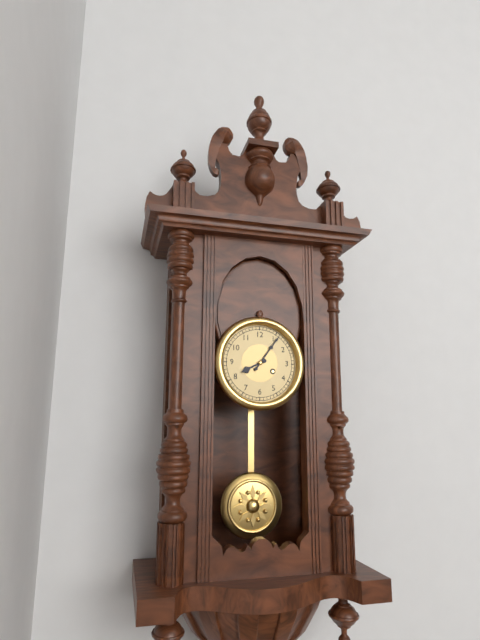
8:06
